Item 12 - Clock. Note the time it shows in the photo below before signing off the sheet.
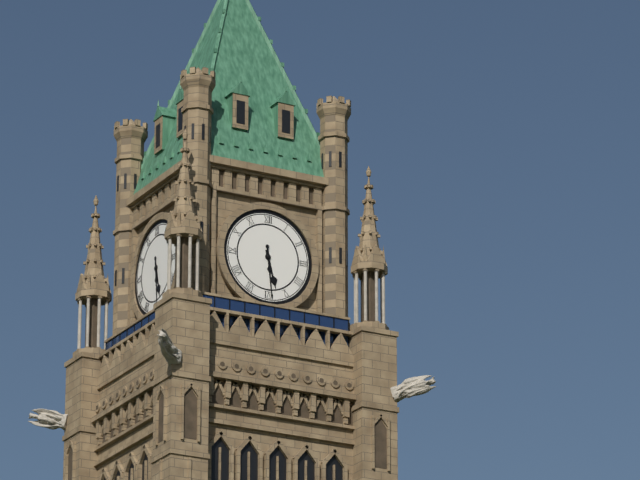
5:29
